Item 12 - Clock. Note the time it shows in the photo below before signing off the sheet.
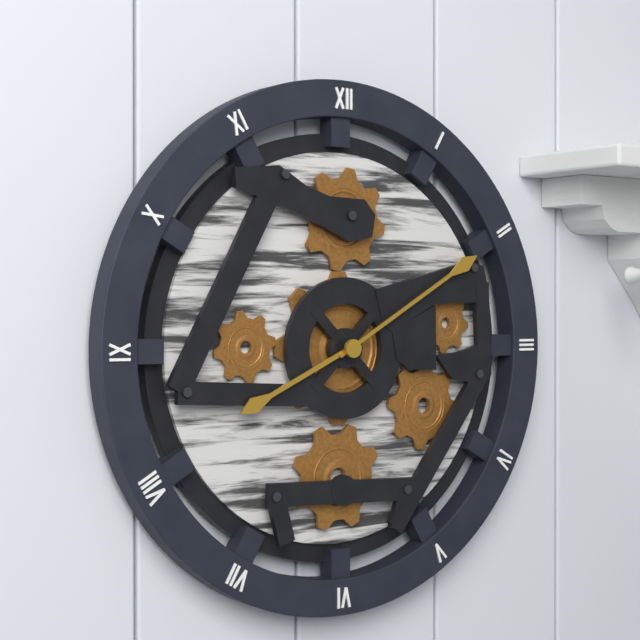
8:10
